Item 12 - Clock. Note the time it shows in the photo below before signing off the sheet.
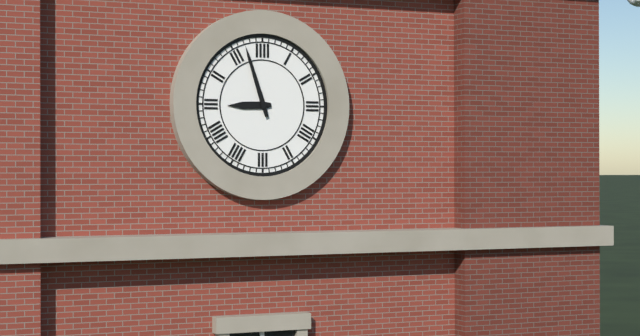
8:57
